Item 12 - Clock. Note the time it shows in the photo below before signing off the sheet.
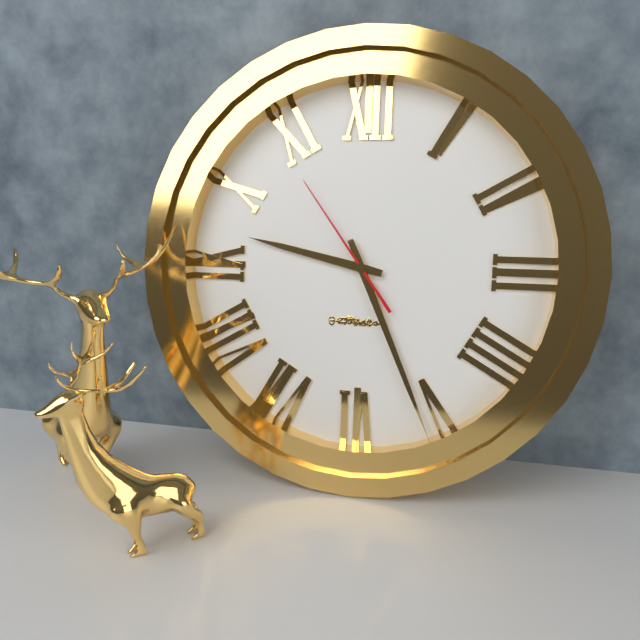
9:26:54
